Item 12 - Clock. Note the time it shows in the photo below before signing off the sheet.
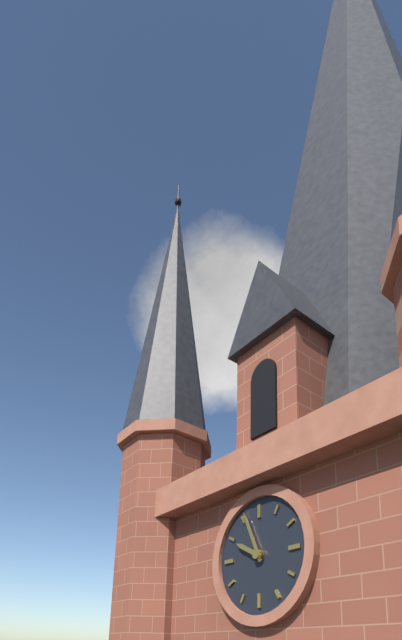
9:56
